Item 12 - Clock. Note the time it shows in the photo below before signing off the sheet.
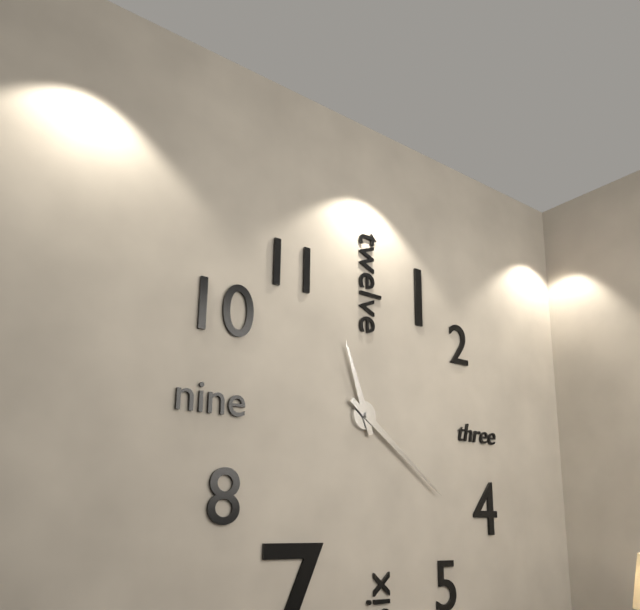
11:21
